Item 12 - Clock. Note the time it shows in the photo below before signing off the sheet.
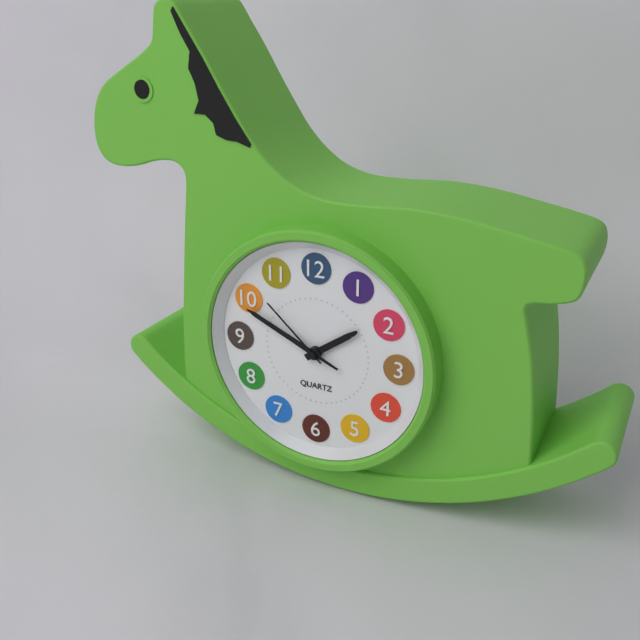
1:49:52
